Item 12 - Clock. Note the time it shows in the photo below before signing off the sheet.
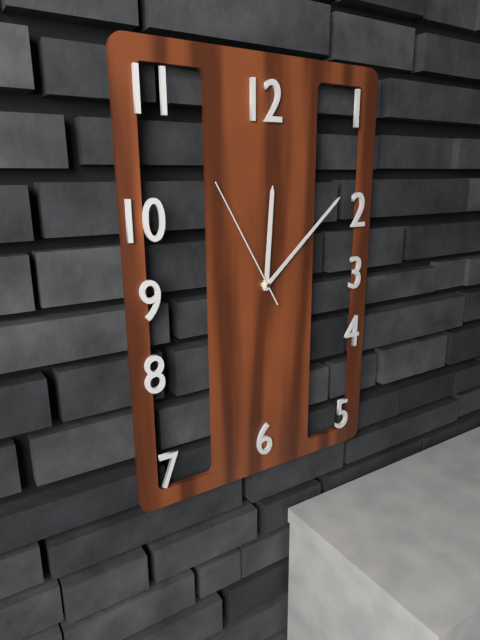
12:08:55
